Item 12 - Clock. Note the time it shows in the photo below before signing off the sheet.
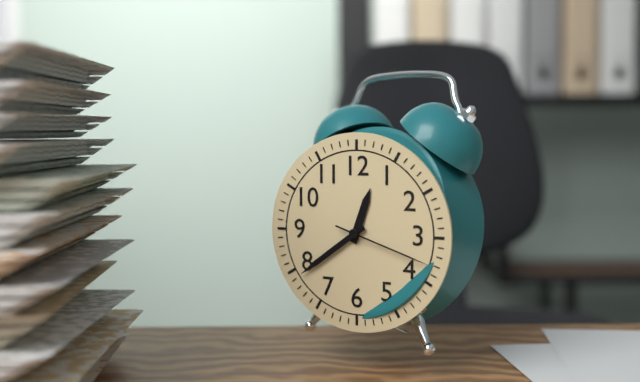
12:39:18
